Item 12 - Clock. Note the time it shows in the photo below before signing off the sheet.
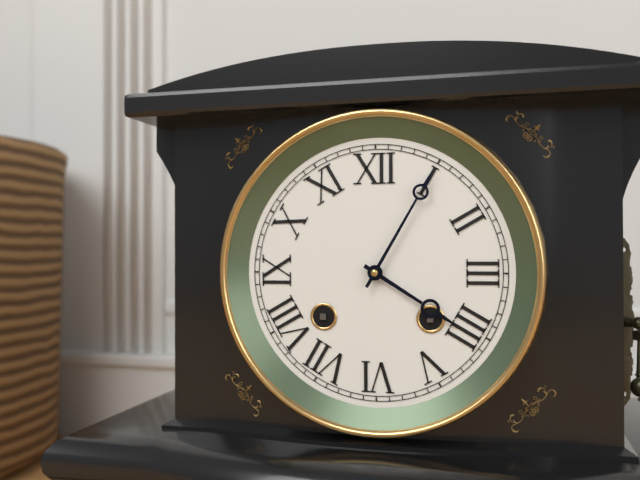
4:05
